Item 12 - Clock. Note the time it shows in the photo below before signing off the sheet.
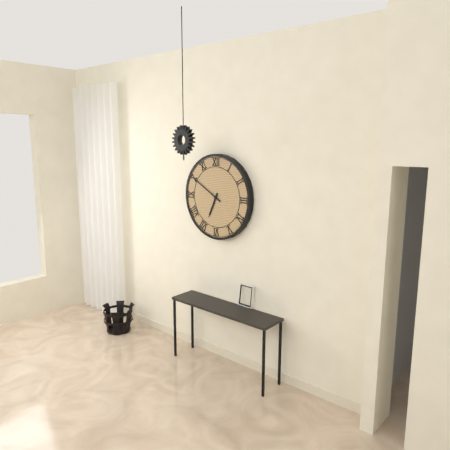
6:50
